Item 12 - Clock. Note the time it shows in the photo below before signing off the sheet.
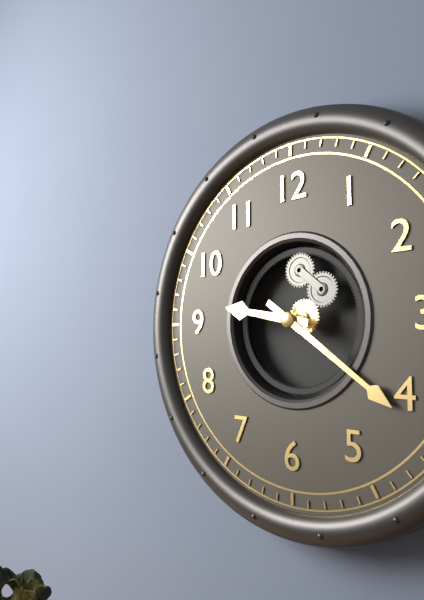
9:21
